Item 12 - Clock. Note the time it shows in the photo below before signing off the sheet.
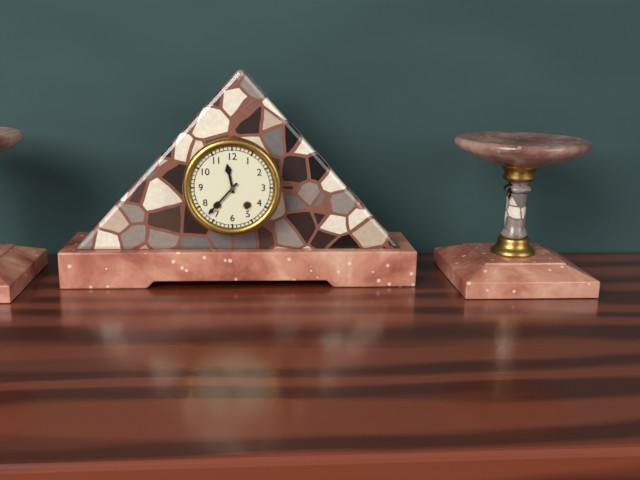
11:37
